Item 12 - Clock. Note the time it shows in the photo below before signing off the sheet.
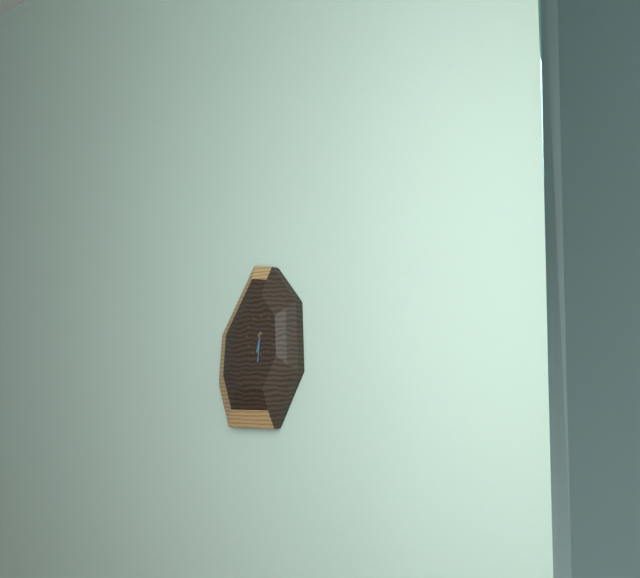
6:31
